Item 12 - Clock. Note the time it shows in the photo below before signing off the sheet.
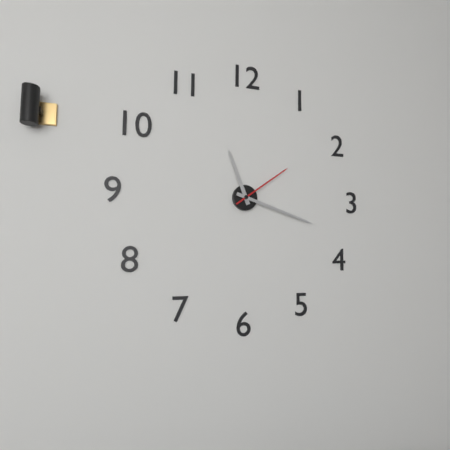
11:18:09
